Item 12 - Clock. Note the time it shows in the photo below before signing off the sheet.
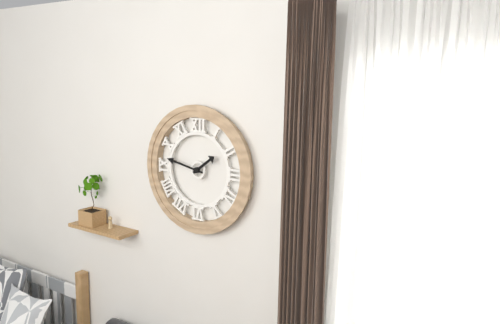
1:47
